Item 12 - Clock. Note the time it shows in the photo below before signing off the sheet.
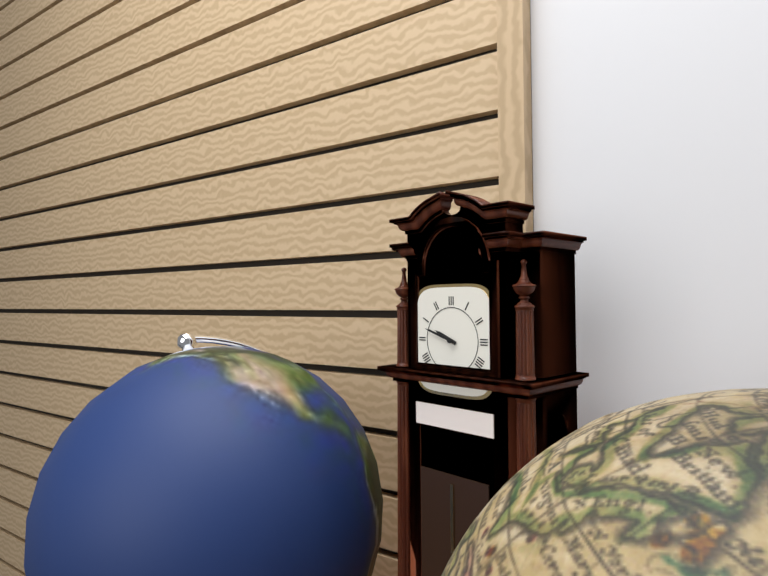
9:48
